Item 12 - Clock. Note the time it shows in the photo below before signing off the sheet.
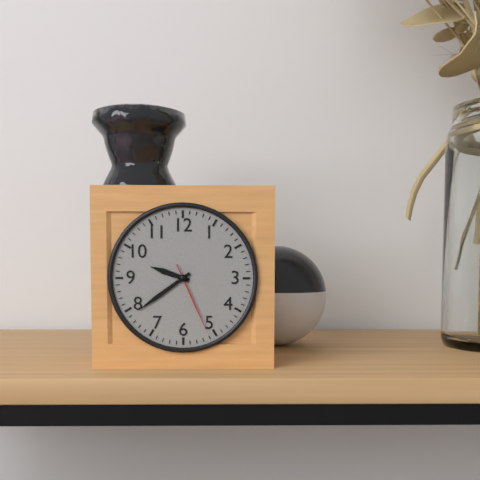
9:39:26
